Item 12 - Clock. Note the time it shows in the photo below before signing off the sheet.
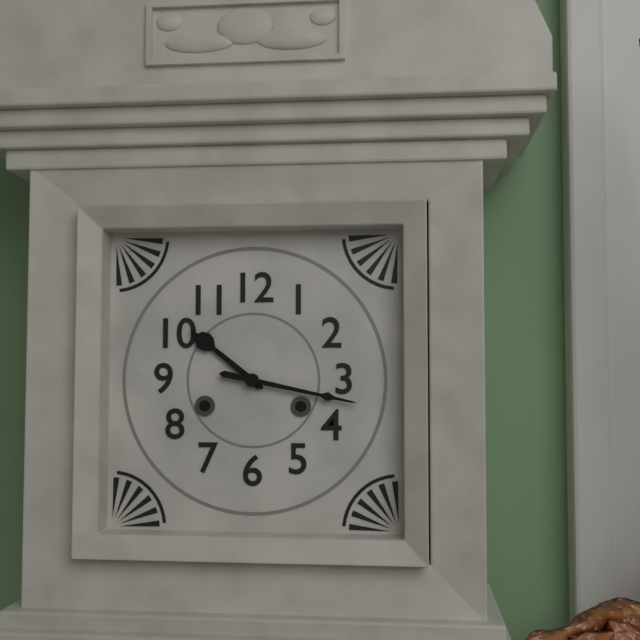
10:17
